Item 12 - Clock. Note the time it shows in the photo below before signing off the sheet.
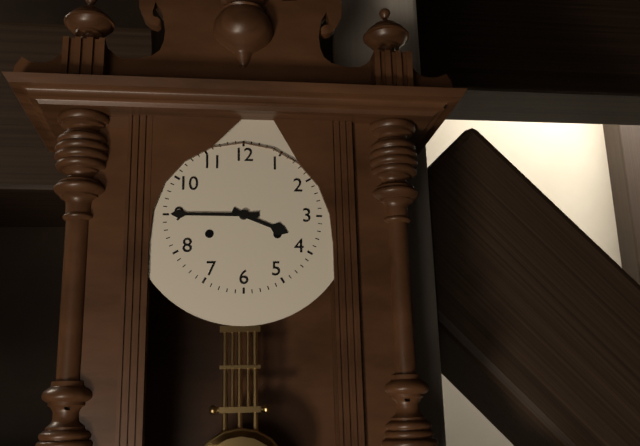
3:45
